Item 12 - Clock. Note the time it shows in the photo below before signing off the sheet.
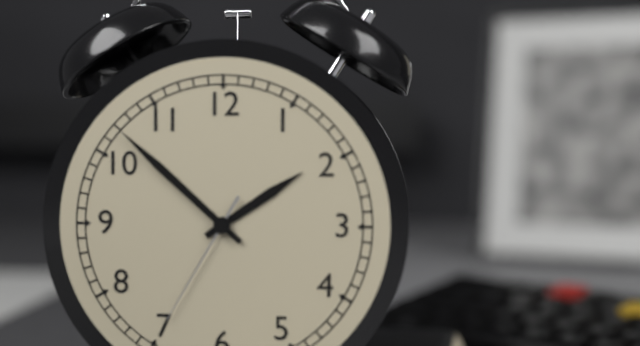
1:52:35
